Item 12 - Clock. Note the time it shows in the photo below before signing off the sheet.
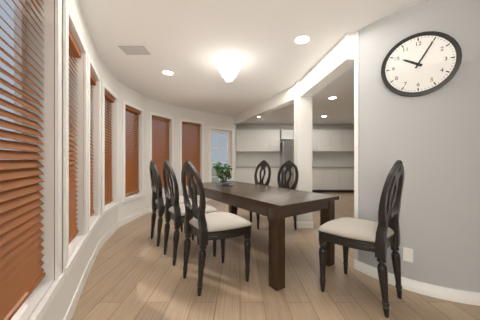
10:05
